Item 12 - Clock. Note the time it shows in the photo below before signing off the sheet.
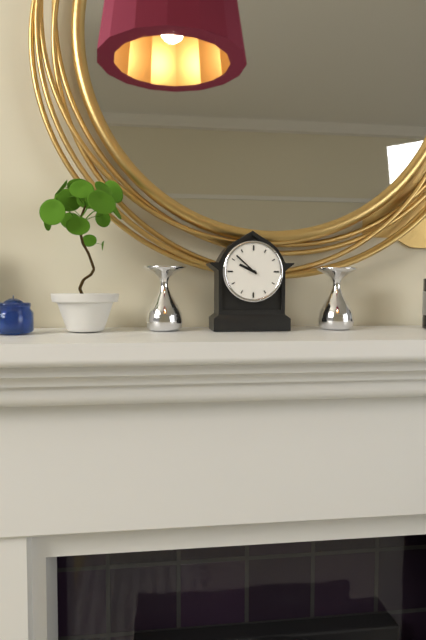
9:52
